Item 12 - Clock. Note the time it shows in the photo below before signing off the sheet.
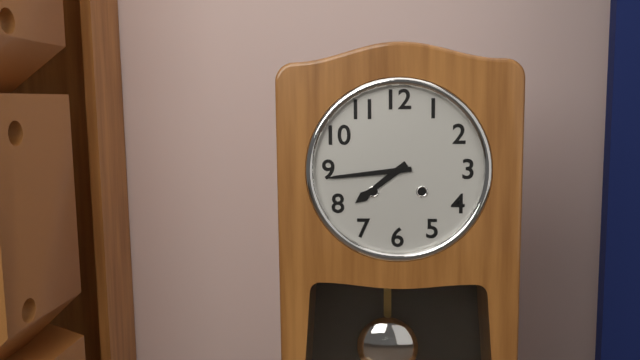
7:44
